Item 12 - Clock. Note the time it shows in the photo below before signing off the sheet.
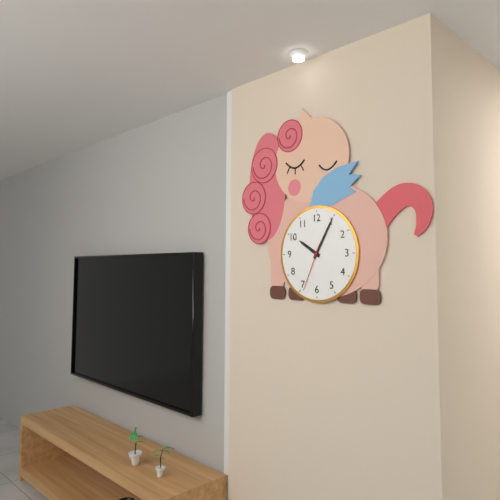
10:05
